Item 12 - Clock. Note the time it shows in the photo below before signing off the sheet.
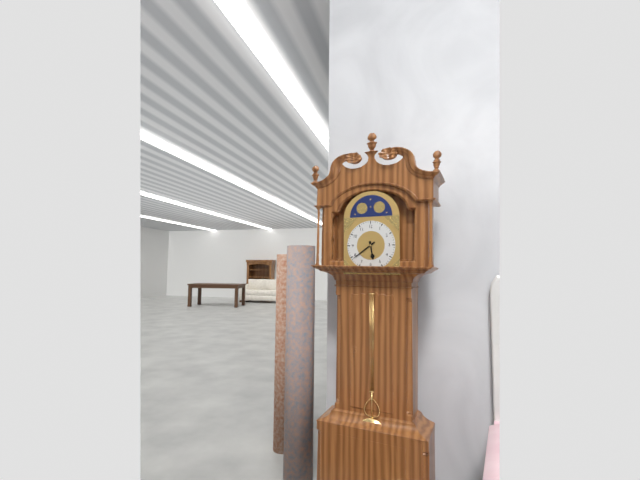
5:39
